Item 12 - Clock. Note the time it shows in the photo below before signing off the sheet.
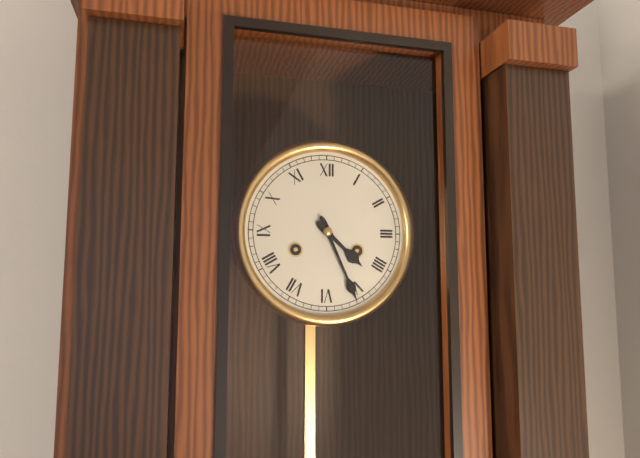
4:26
